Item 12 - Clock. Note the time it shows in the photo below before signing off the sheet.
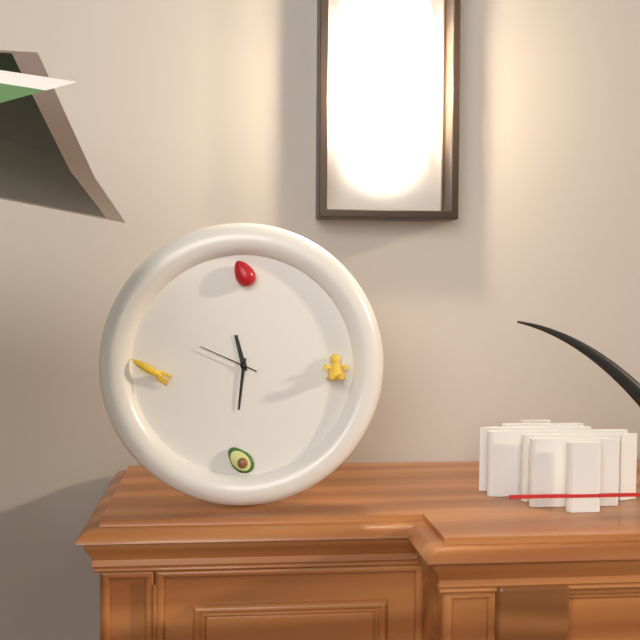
11:31:49
